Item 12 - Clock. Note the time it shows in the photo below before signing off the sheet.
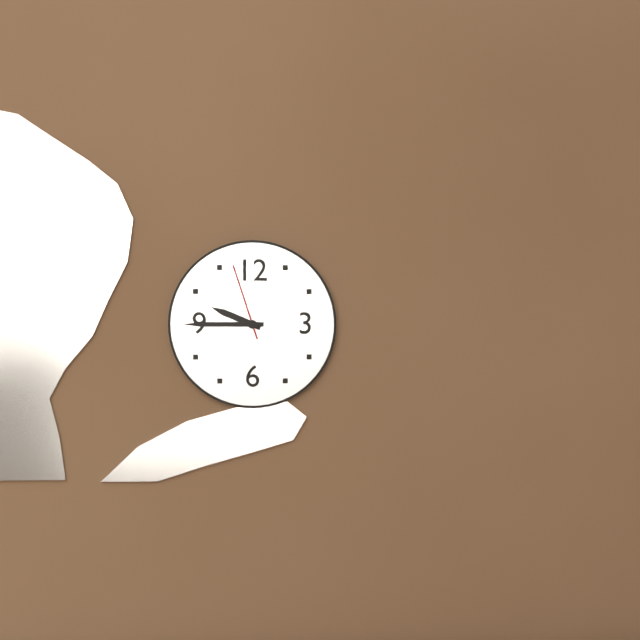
9:45:57
